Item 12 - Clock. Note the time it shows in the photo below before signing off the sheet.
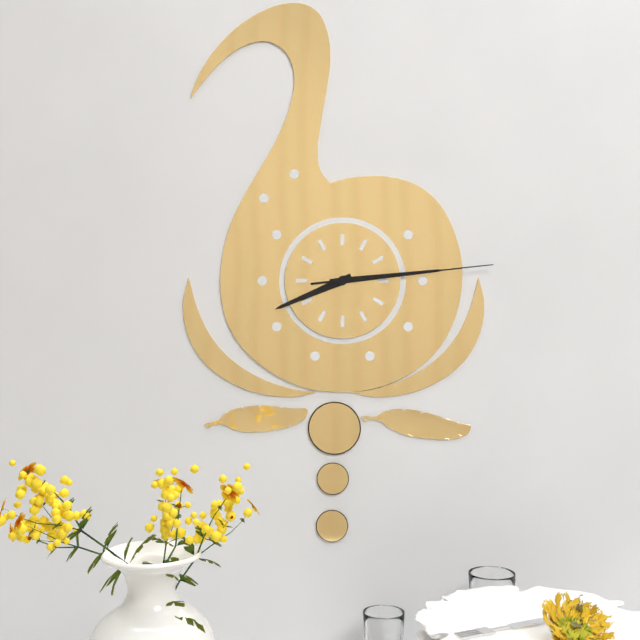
8:14:14
